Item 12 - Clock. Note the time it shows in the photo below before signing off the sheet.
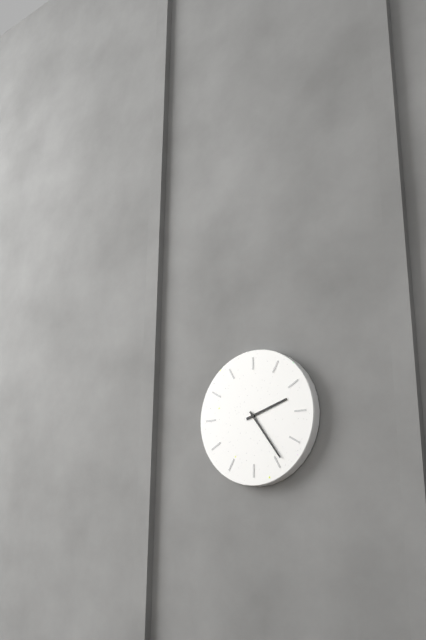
2:24
